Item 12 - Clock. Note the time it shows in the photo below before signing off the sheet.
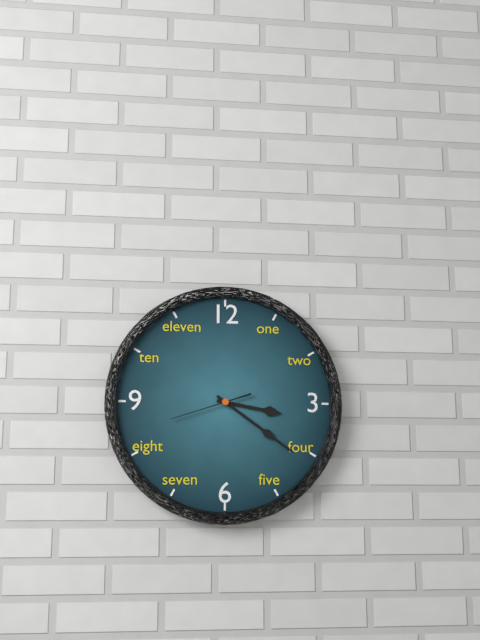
3:21:42
